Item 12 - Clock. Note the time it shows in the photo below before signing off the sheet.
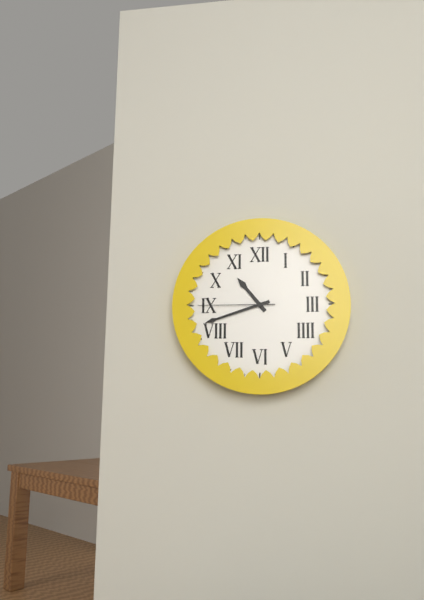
10:42:45
